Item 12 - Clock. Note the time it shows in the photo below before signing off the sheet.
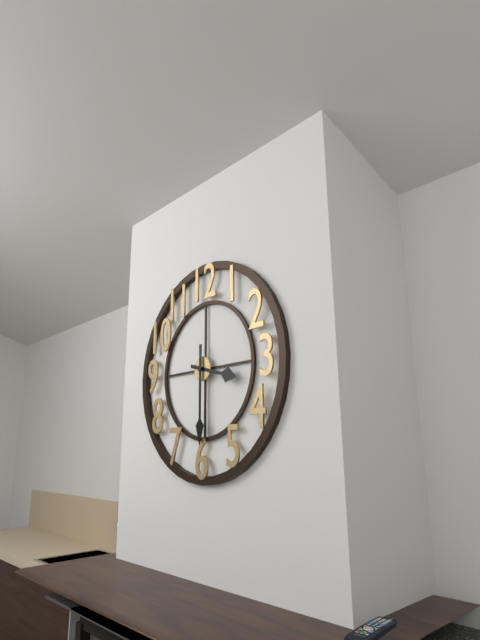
3:30
